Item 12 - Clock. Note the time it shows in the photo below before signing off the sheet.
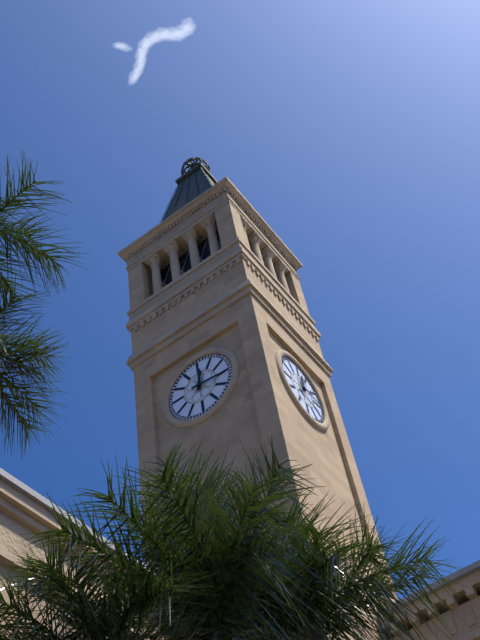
12:16
